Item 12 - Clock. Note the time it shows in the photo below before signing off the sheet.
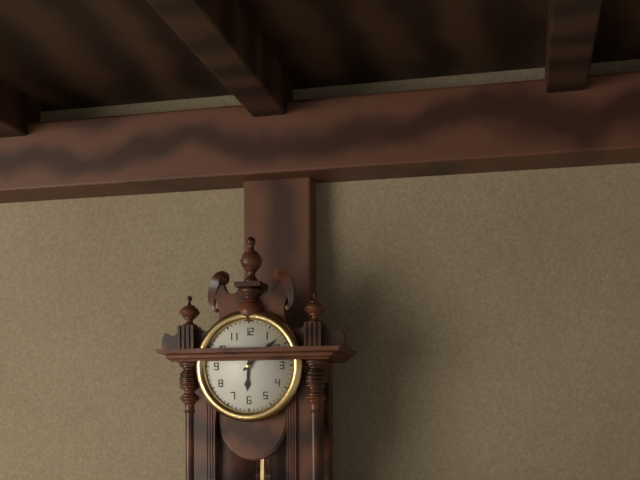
6:08
